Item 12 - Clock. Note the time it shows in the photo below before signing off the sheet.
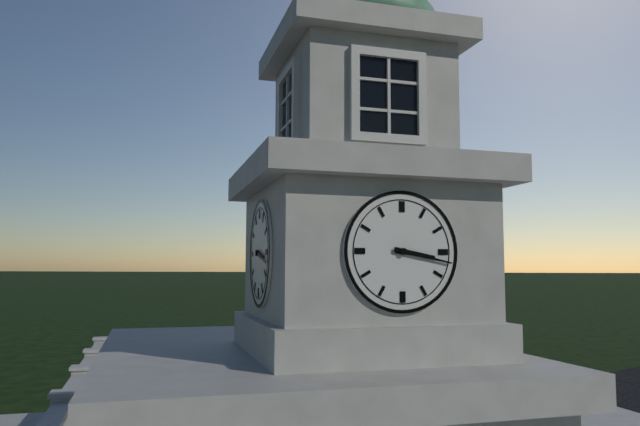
3:17
